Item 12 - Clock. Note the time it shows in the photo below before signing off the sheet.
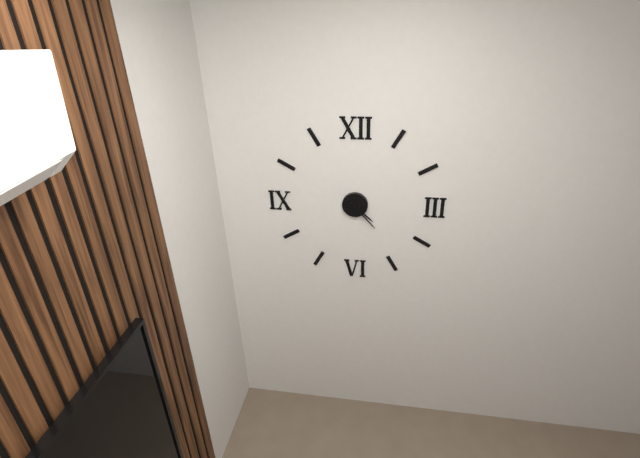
4:23
